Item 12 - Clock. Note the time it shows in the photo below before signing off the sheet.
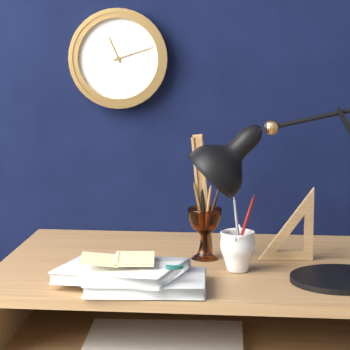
11:12
